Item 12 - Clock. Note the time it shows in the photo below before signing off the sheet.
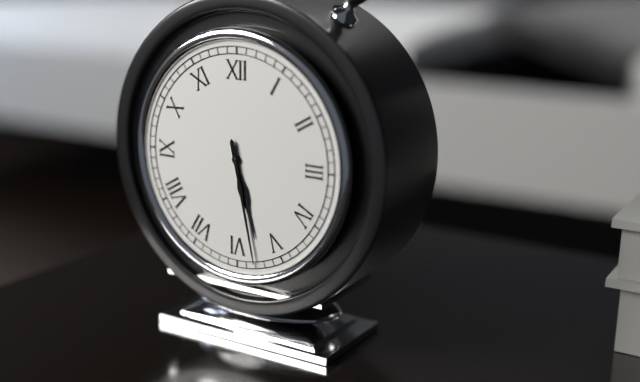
5:28
